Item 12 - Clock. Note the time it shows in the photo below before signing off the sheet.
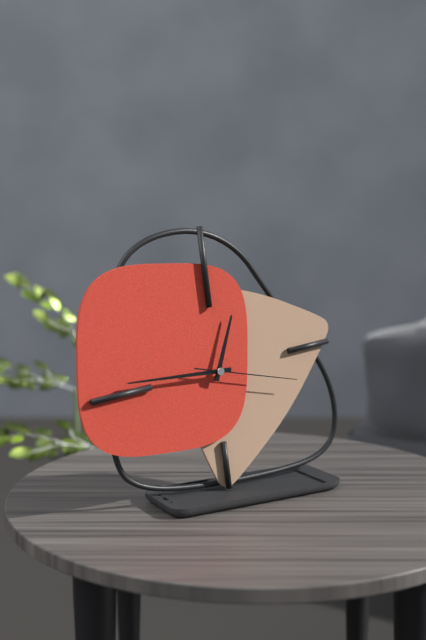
12:46:18
